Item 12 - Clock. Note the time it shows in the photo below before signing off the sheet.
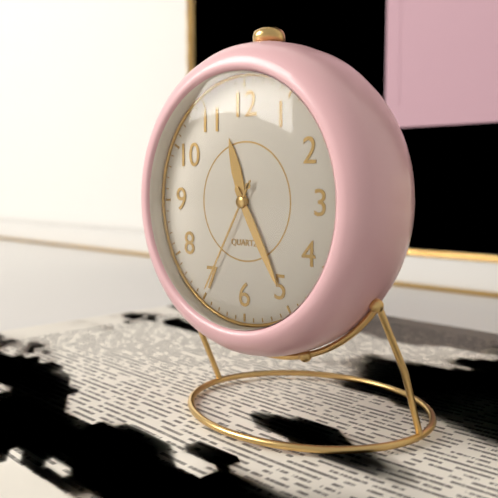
11:25:35
